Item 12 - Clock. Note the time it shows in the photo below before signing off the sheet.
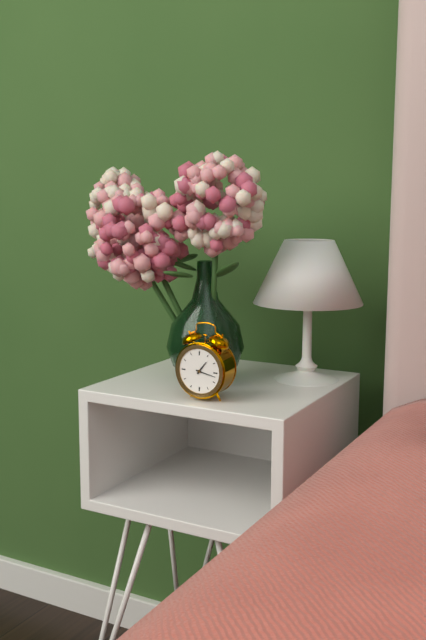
1:17
